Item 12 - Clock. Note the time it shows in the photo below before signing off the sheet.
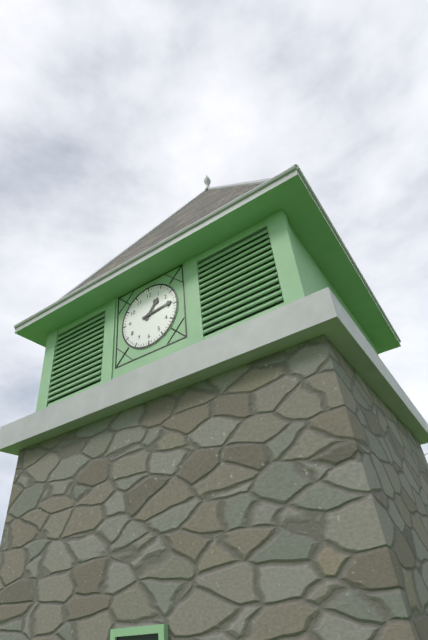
1:14
